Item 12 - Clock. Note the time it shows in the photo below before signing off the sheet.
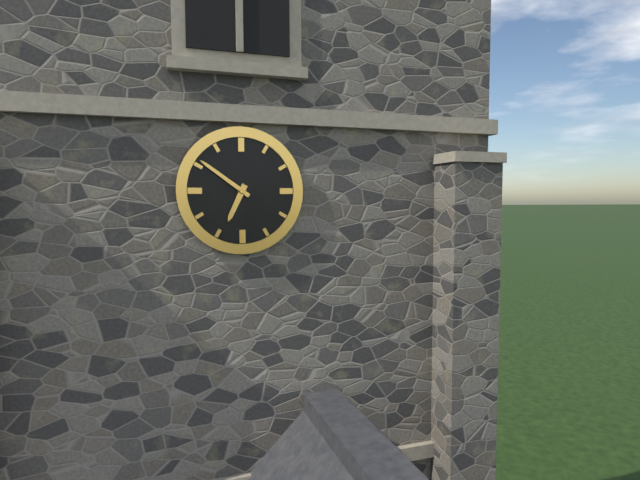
6:51
